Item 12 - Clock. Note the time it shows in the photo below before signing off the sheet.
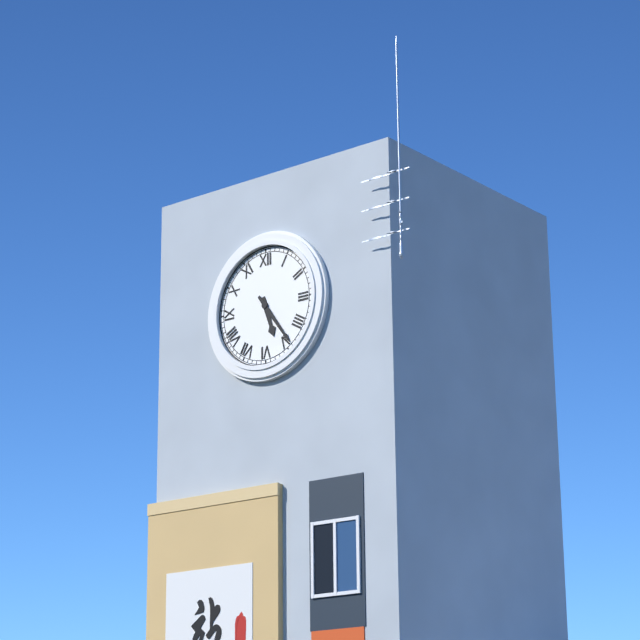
5:24
